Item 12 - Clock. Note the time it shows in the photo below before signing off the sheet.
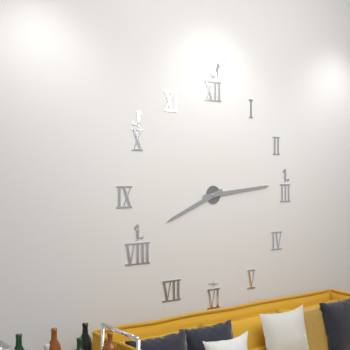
8:14
